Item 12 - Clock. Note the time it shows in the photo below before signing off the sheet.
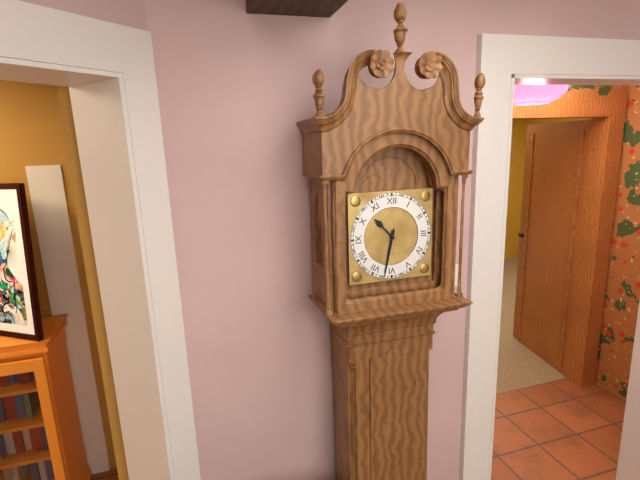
10:32
